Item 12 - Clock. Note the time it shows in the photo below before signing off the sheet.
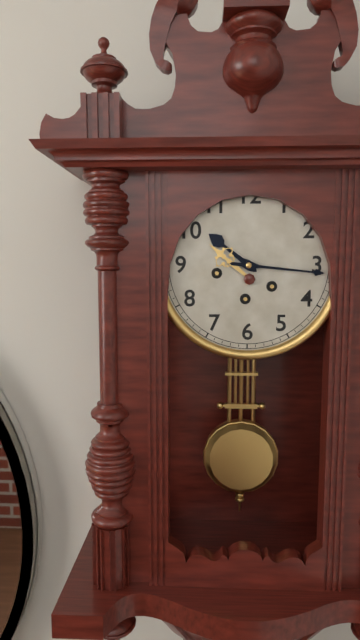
10:16
